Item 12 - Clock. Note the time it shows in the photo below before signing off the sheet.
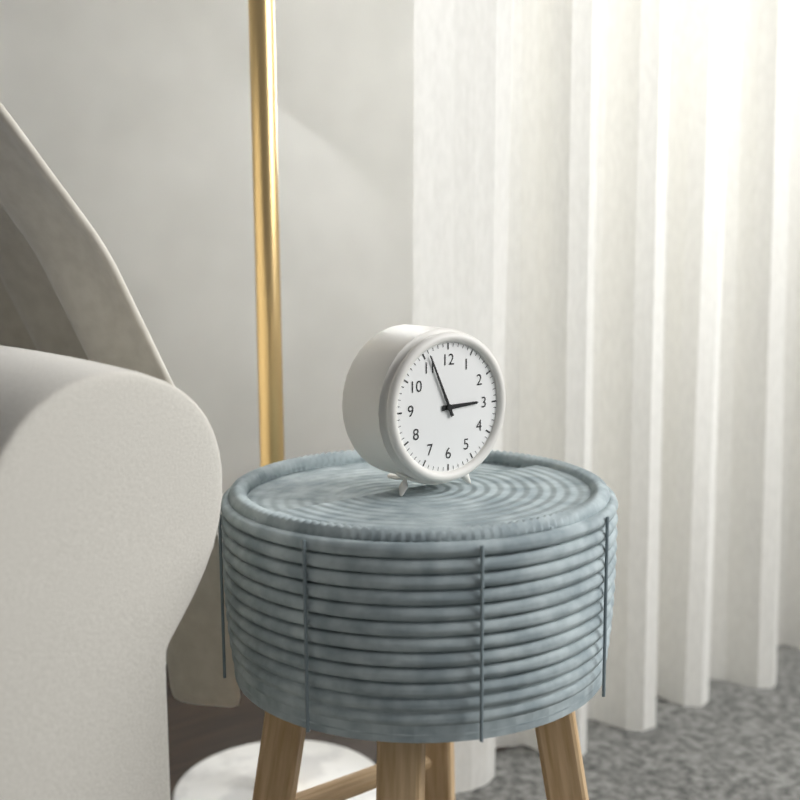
2:56
